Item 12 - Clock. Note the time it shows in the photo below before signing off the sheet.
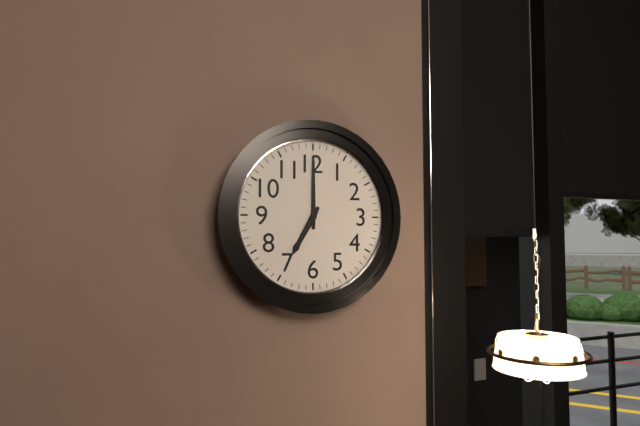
7:00
